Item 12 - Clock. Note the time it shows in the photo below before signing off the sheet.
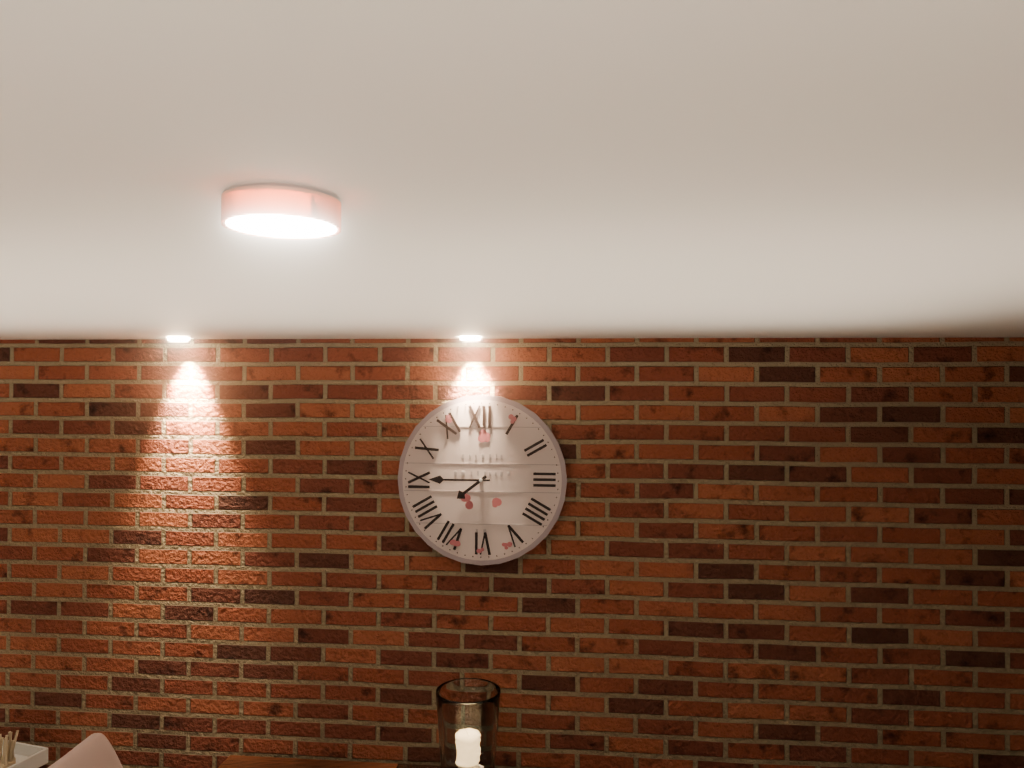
7:45
